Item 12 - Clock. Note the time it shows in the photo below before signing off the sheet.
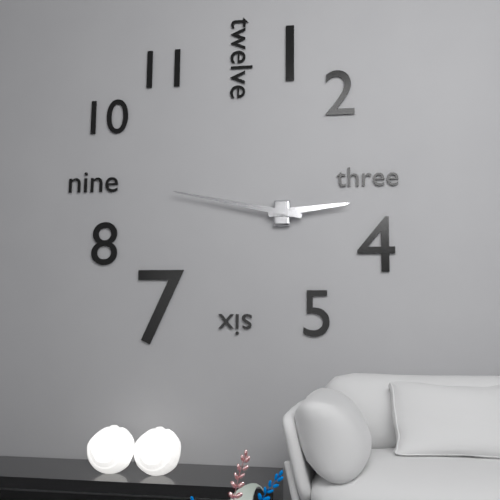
2:47
